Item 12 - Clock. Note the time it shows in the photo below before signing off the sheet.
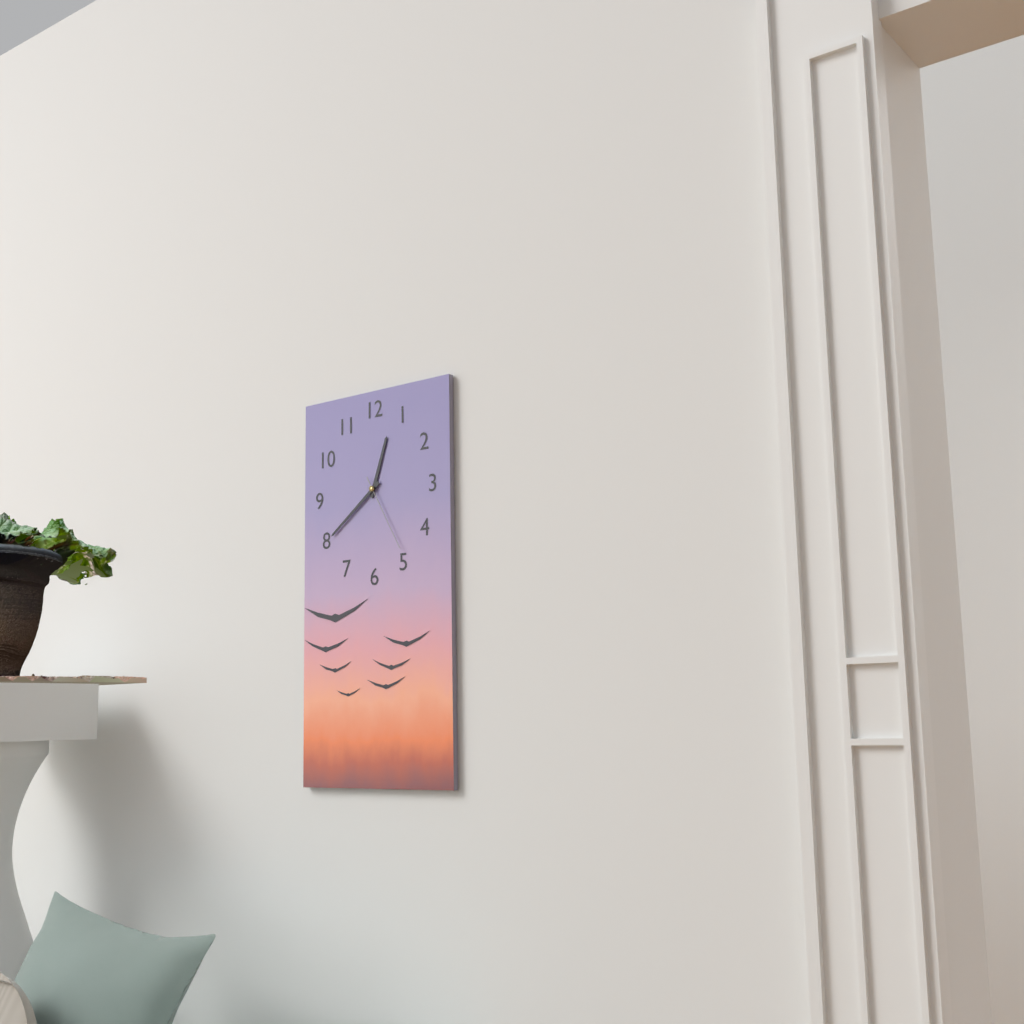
12:39:25
